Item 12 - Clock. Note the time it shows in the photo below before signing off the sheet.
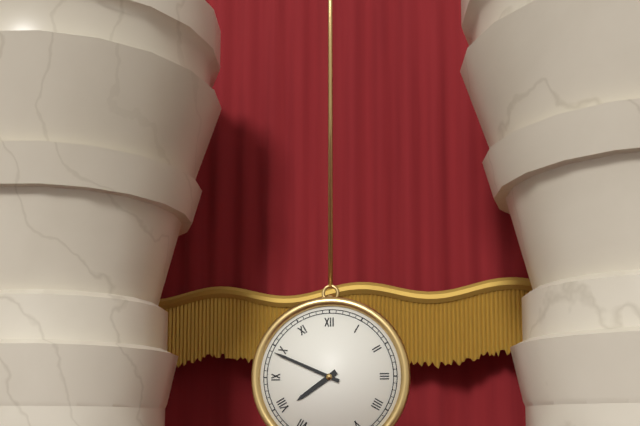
7:49
